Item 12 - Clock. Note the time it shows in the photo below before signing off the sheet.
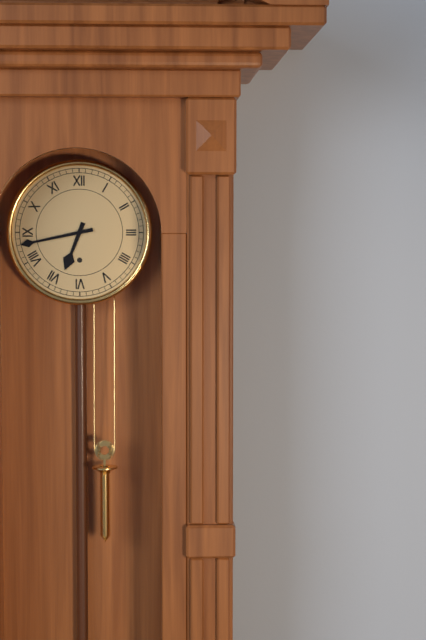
6:43
